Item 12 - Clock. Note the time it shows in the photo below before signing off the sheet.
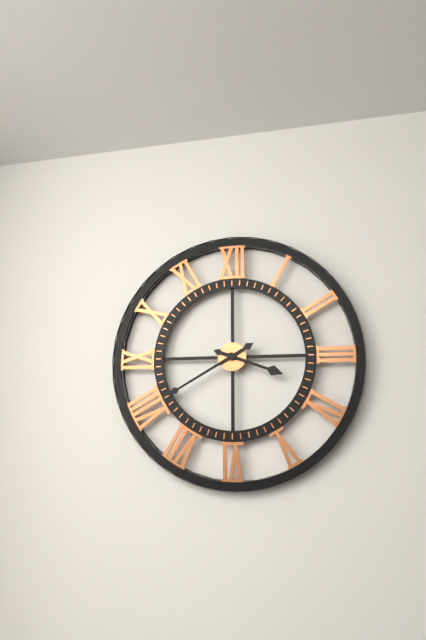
3:40
